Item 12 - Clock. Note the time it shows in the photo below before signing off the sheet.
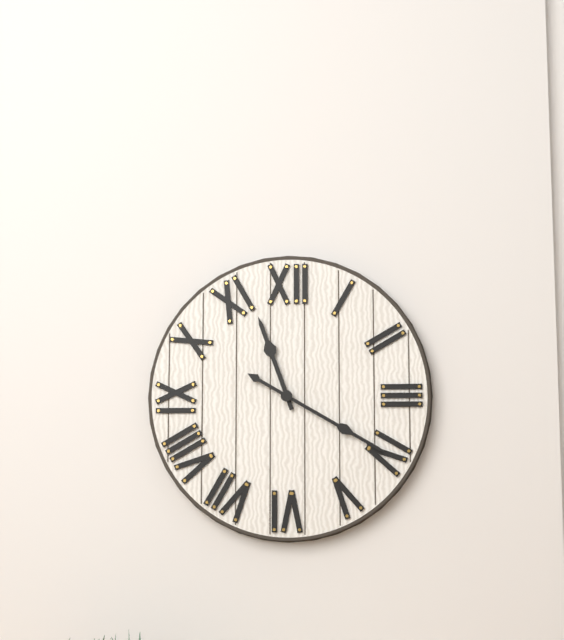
11:20
